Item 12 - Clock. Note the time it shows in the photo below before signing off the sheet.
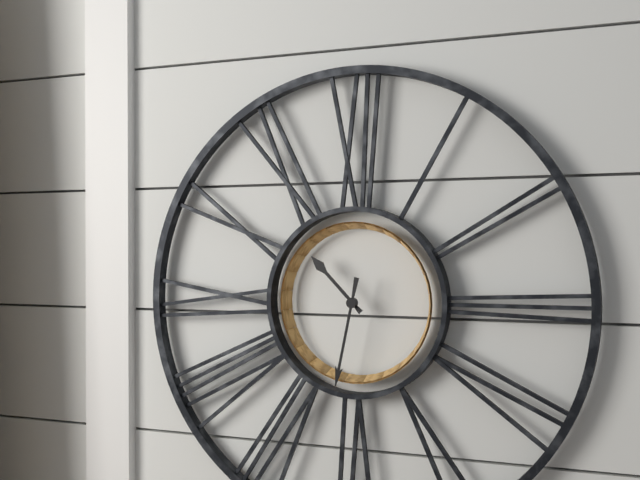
10:32
